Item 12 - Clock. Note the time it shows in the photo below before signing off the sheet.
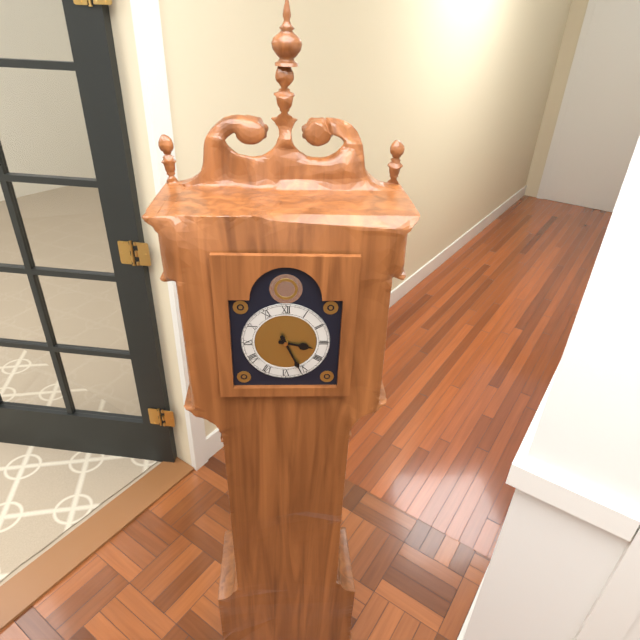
3:26
